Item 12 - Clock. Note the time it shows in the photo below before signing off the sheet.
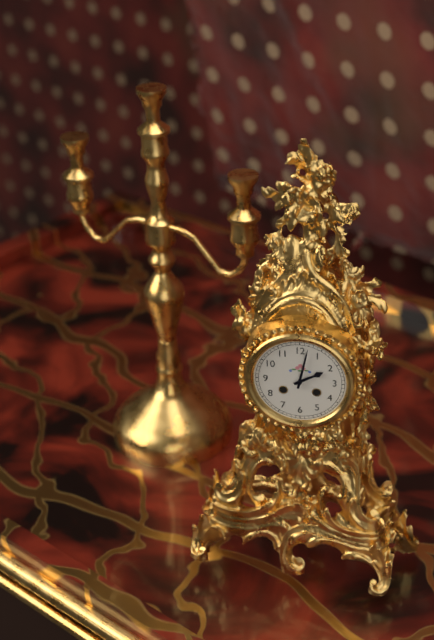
2:02
